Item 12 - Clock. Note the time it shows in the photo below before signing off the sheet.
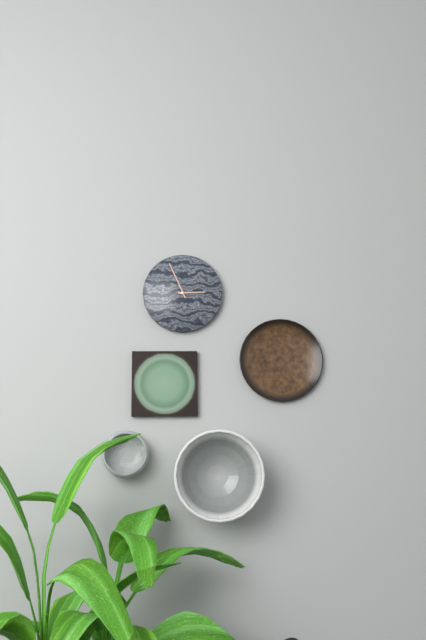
2:56
